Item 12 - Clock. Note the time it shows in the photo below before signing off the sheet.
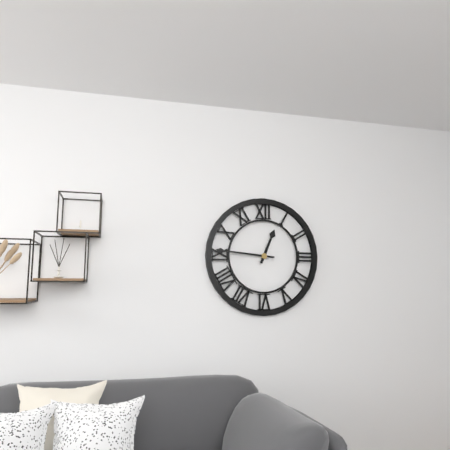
12:46
